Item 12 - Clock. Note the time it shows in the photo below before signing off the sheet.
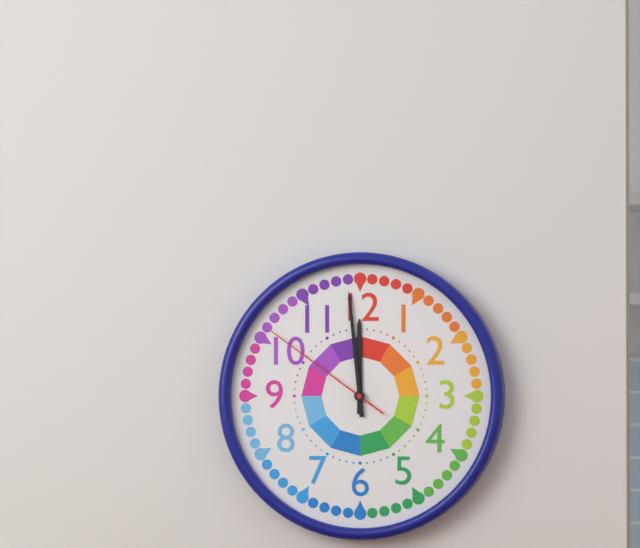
11:59:51
